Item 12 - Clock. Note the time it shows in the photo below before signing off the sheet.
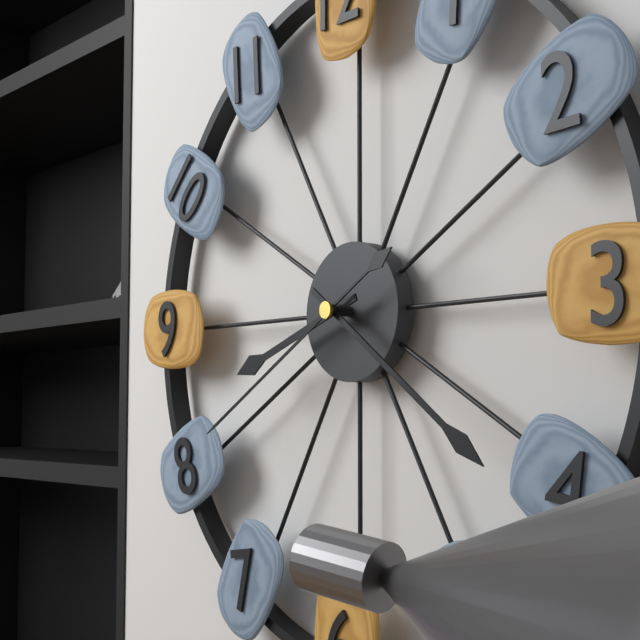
8:21:40
